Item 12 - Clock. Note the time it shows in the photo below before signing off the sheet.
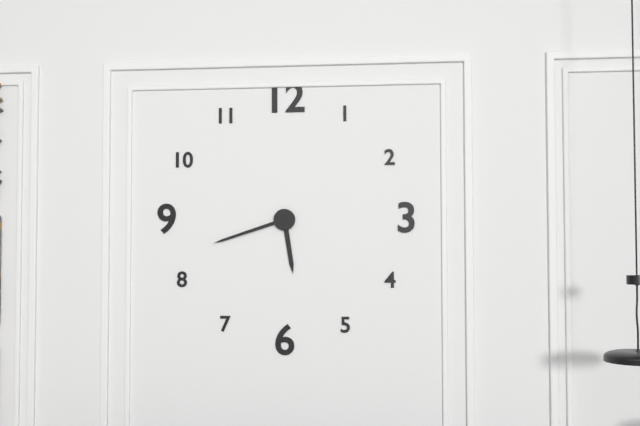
5:42
